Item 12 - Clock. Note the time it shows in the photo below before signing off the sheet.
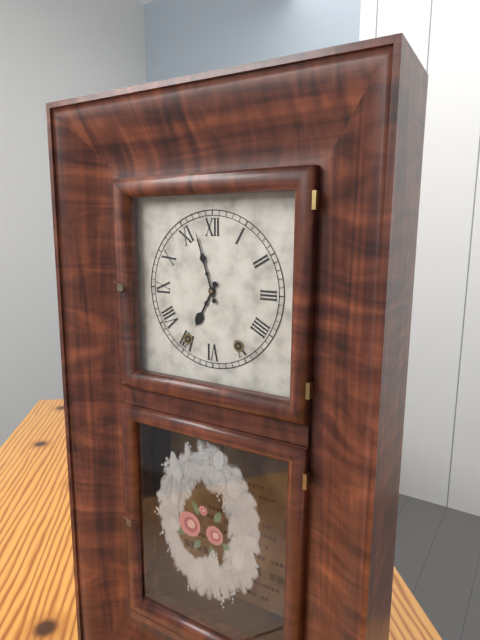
6:57
